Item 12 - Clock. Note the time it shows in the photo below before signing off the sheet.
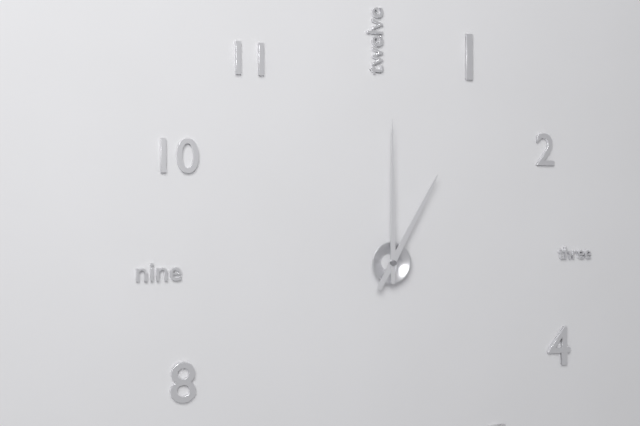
1:00
